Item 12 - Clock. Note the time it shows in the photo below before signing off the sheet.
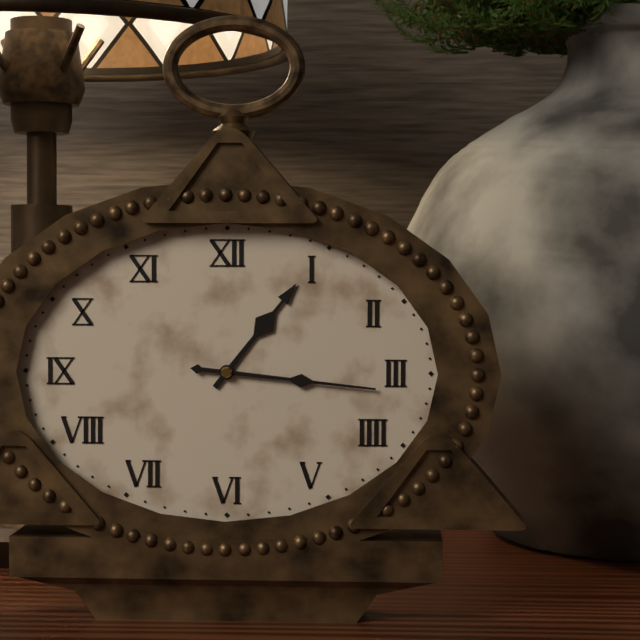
1:16
